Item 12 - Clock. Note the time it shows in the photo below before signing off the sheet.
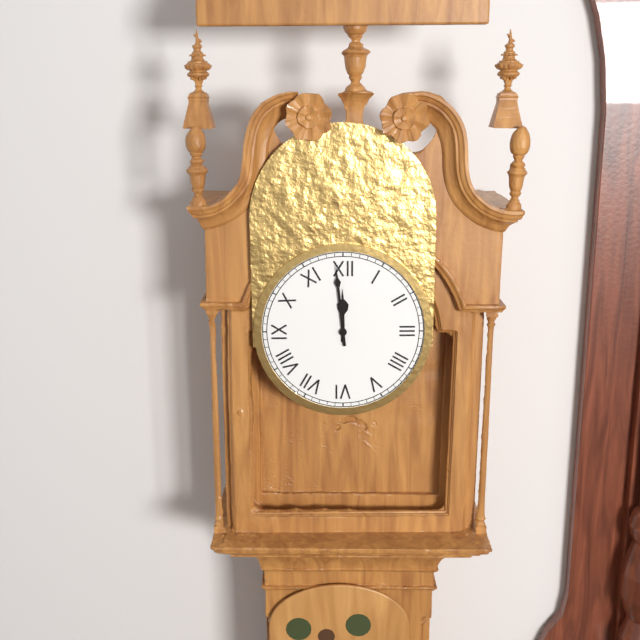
11:59
